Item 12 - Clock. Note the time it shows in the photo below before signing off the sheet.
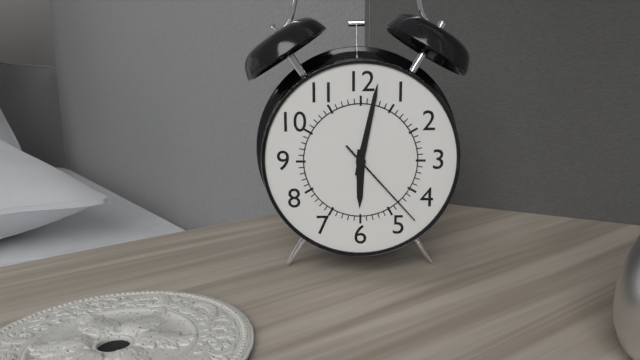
6:02:23
